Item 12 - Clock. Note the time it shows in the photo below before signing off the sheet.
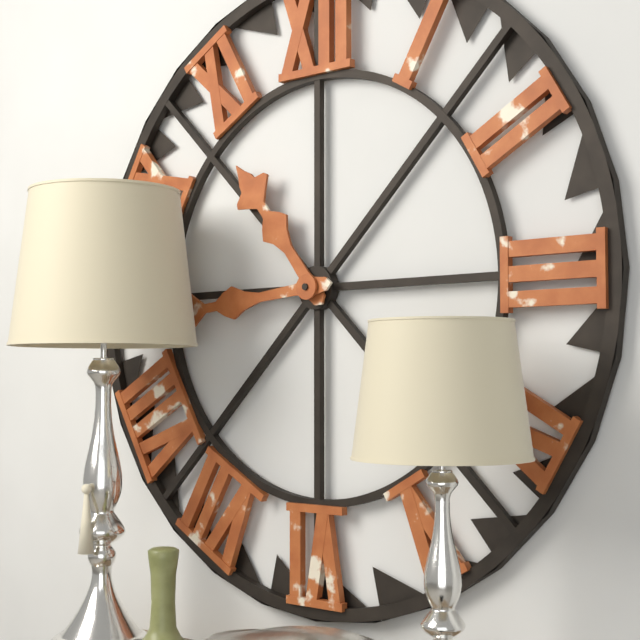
10:44
